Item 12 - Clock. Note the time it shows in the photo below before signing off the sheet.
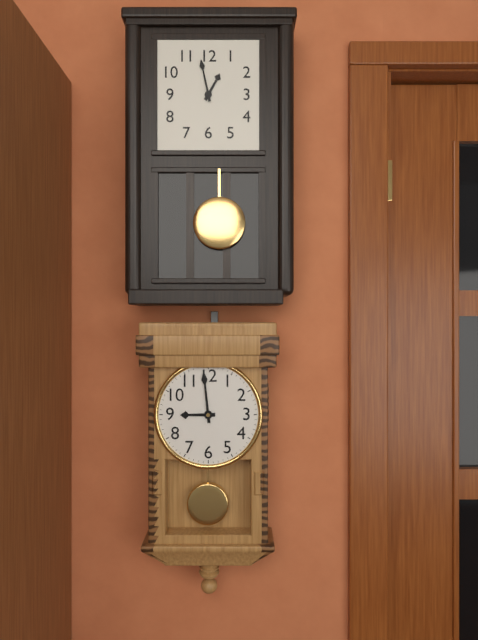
8:59
